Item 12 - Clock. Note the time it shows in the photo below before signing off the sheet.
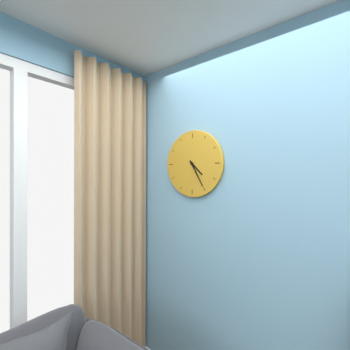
4:25
